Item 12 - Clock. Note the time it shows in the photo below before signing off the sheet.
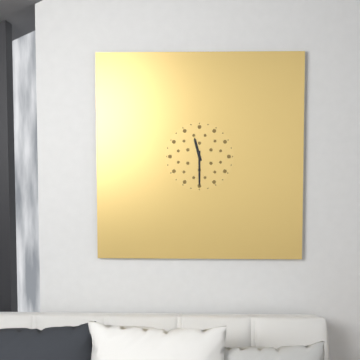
11:30
